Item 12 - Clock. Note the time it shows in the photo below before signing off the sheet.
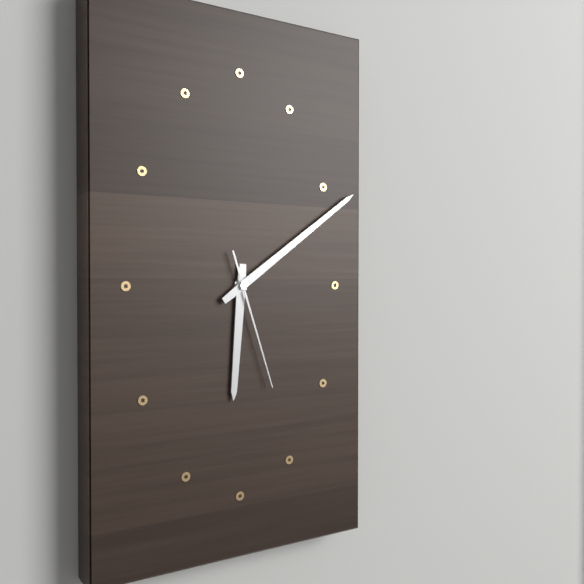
6:09:27
